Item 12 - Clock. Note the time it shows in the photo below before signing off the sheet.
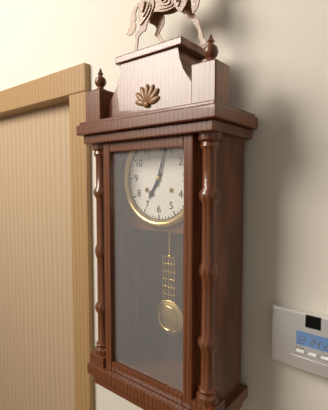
7:03
